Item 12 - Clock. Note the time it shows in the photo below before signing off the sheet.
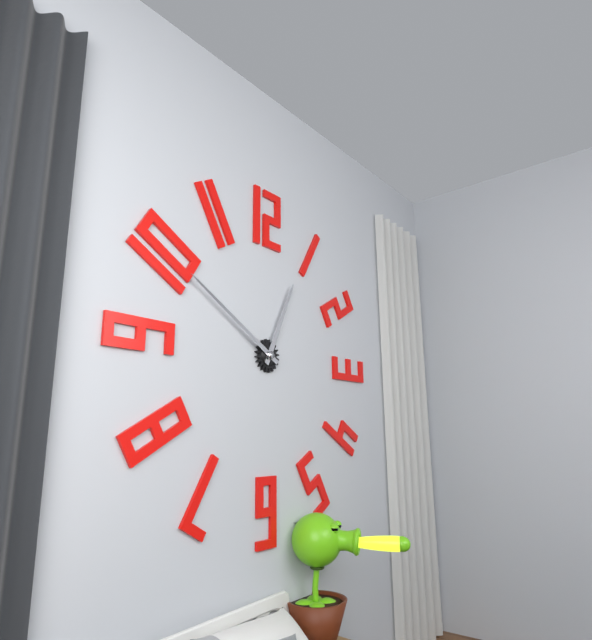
12:50
